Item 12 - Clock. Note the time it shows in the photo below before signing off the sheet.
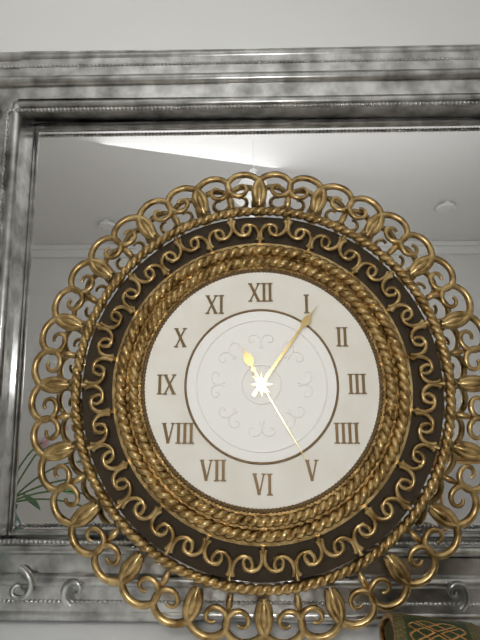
11:06:25
